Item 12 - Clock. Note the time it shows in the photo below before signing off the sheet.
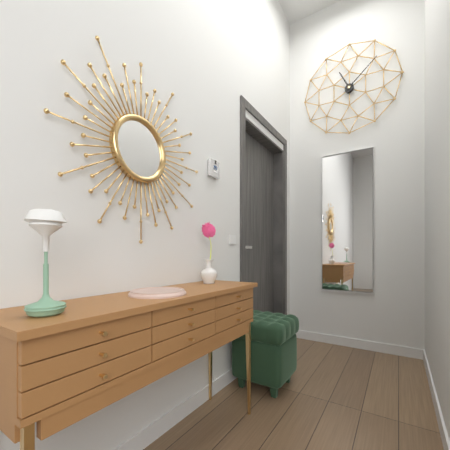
11:08
